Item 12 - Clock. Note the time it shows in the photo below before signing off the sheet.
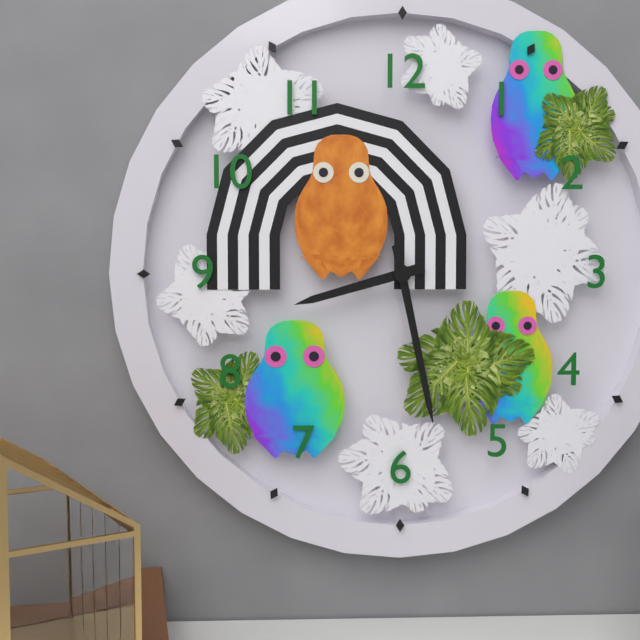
8:28
